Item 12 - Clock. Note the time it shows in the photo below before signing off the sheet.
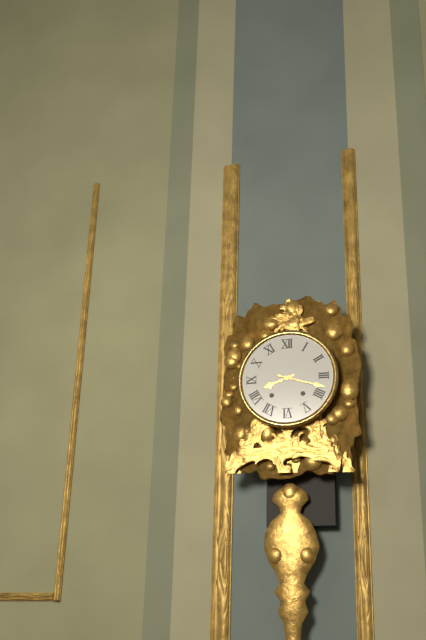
8:18
